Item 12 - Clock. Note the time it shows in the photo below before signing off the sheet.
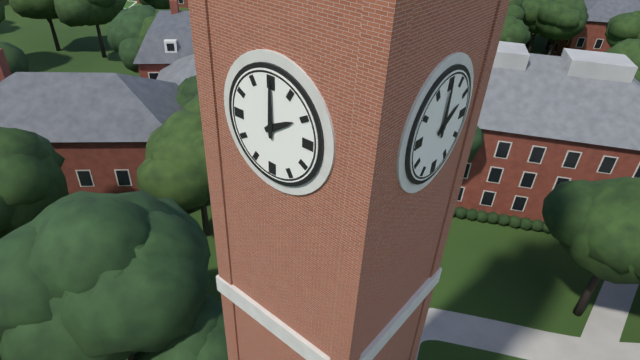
2:00
